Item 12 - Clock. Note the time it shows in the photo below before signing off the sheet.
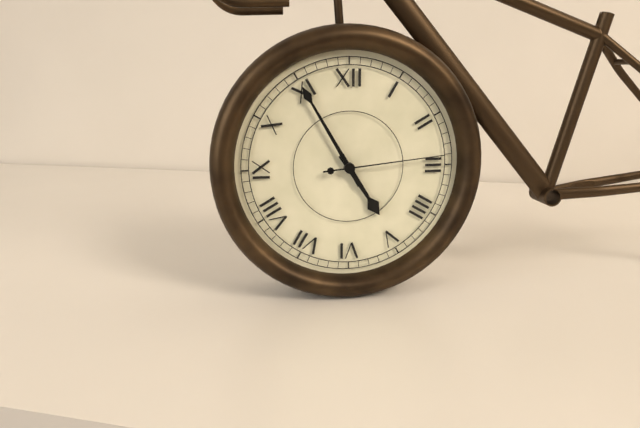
4:55:14
